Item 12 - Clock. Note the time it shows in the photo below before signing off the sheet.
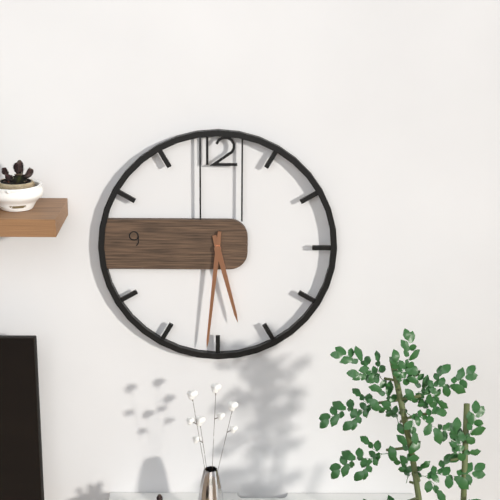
5:31
